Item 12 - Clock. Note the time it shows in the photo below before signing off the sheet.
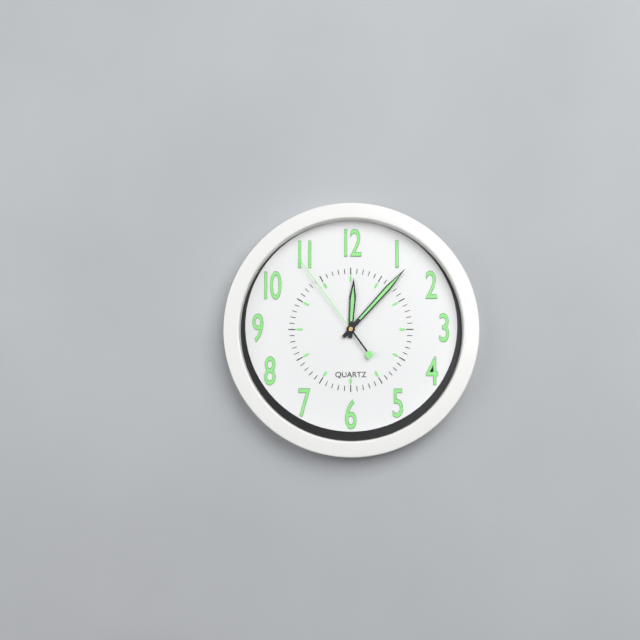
12:07:54
